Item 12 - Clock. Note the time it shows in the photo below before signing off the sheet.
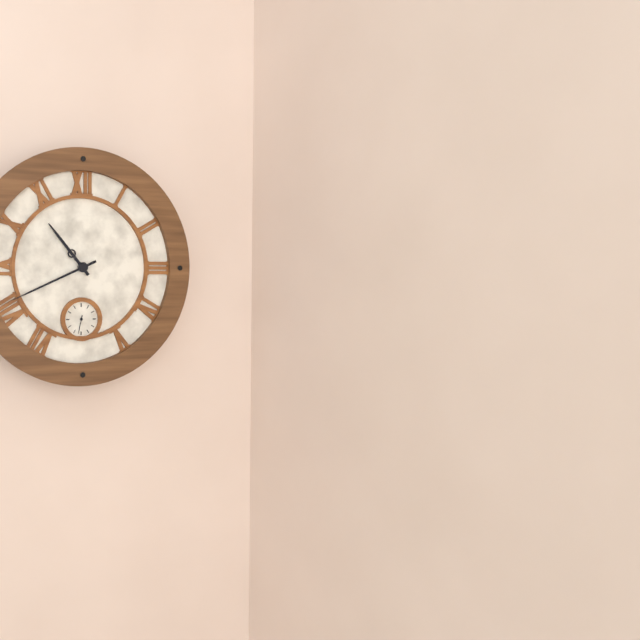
10:41
